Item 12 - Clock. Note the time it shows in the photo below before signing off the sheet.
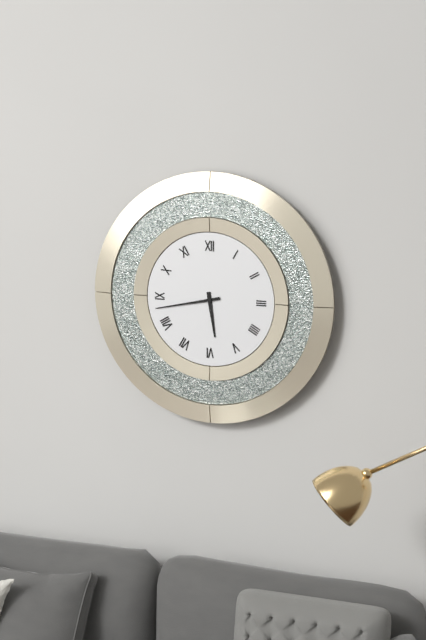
5:43
